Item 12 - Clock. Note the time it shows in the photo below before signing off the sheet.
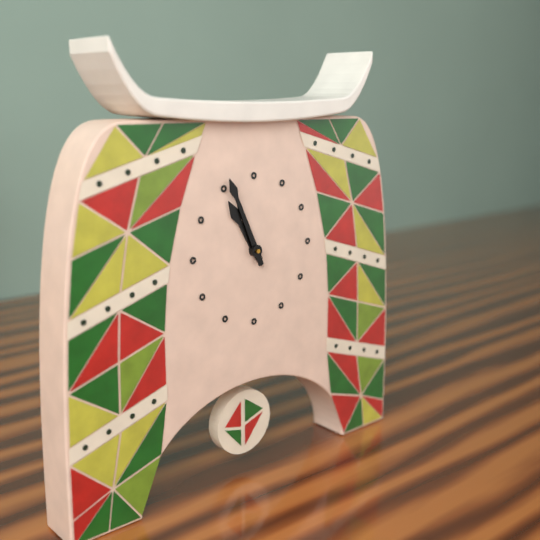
10:56
